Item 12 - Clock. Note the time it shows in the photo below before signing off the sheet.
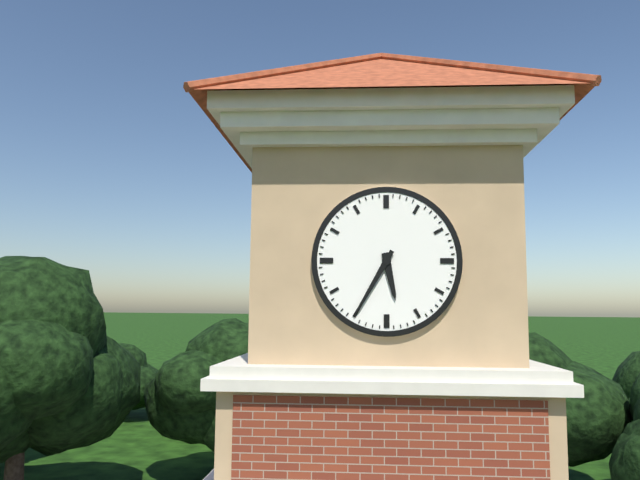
5:35
